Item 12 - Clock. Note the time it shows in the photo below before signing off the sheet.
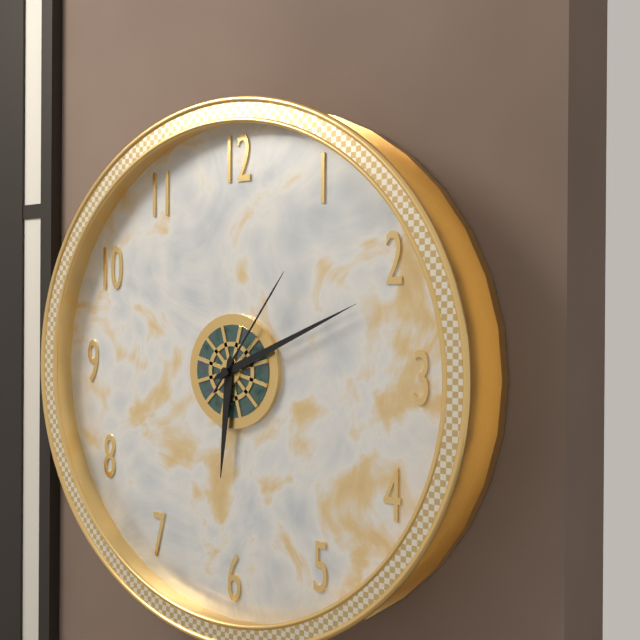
6:11:06
